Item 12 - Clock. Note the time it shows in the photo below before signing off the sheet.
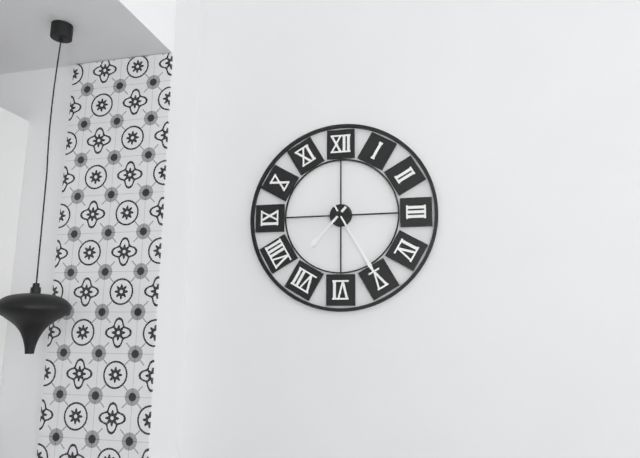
7:25
